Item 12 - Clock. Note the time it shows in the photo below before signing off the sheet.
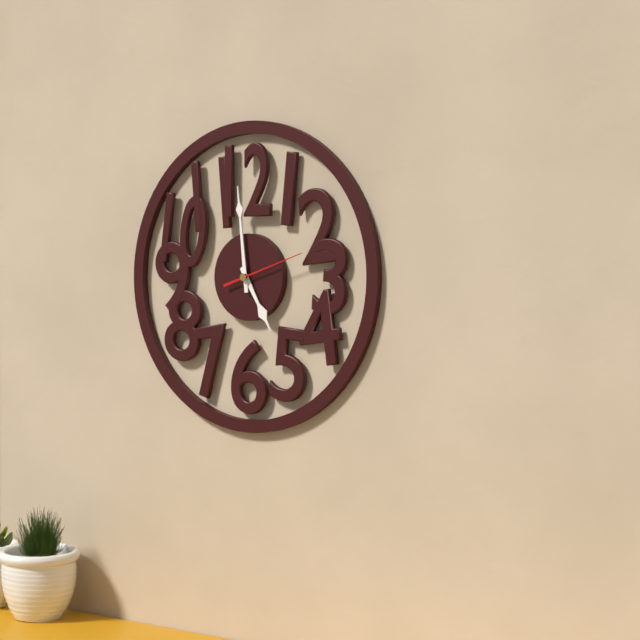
4:59:12
